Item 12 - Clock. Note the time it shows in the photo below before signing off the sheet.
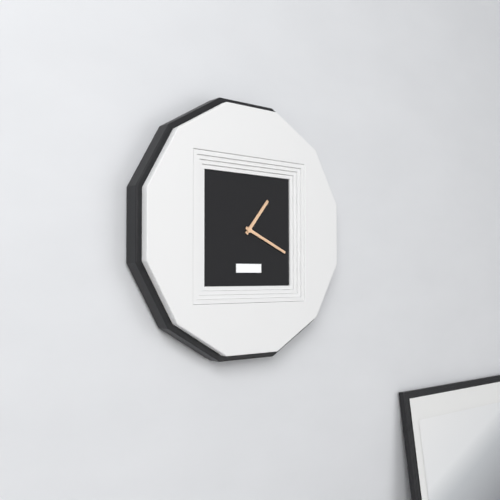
1:19
